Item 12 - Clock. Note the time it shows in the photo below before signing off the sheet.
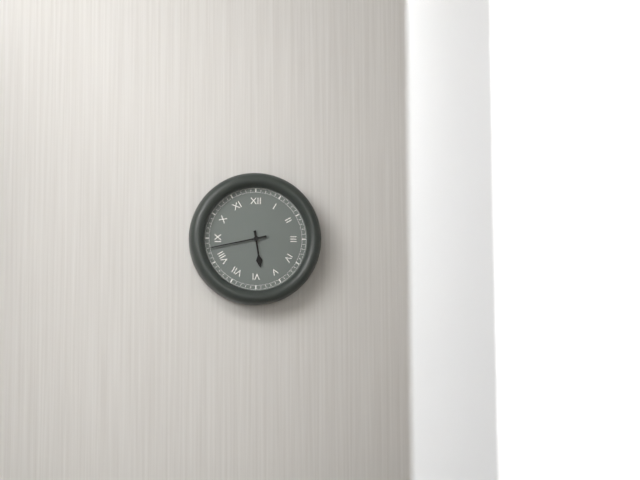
5:43
